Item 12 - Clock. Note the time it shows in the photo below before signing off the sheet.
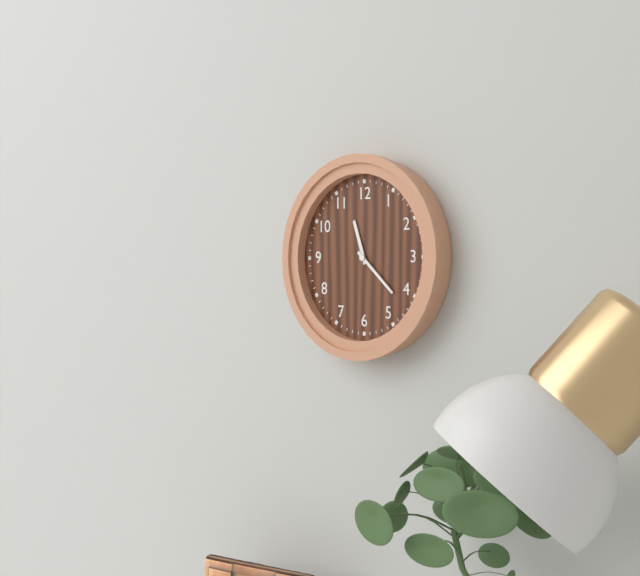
11:22
